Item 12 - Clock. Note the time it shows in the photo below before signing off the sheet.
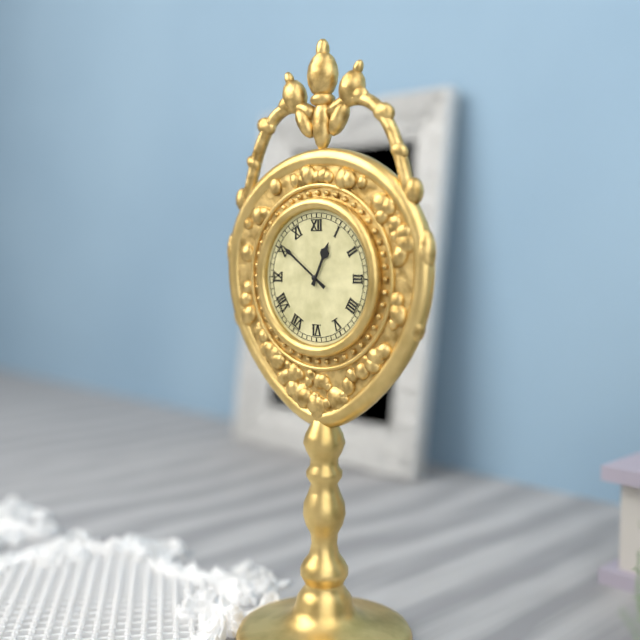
12:51
